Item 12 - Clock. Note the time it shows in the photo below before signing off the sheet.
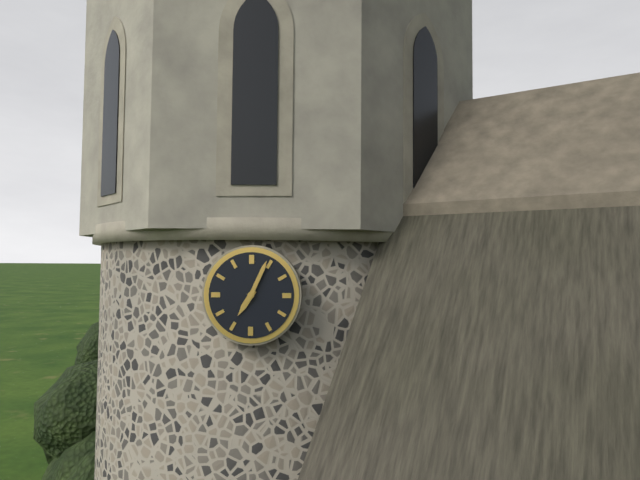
7:04
